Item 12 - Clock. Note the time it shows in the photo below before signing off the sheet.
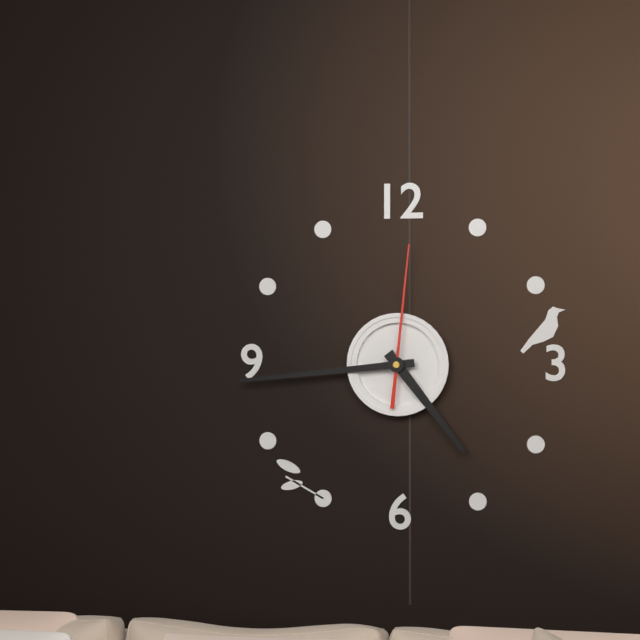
4:44:01
